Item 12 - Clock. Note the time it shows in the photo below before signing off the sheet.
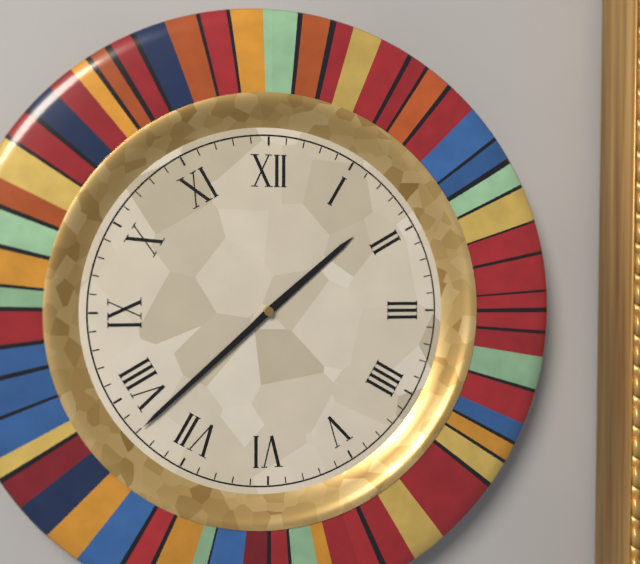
1:38
